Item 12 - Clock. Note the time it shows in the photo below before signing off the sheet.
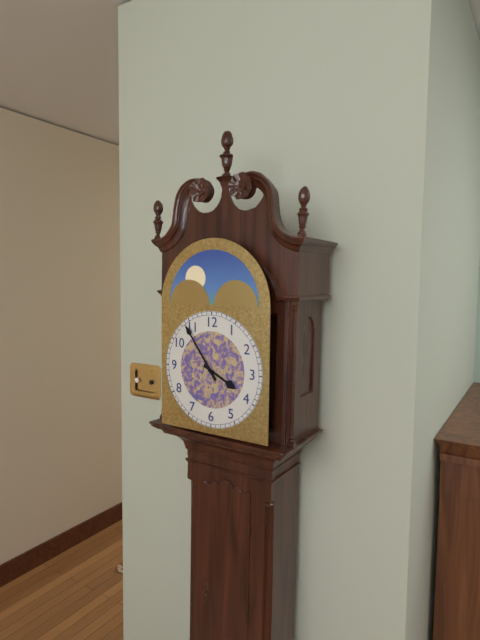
3:54
